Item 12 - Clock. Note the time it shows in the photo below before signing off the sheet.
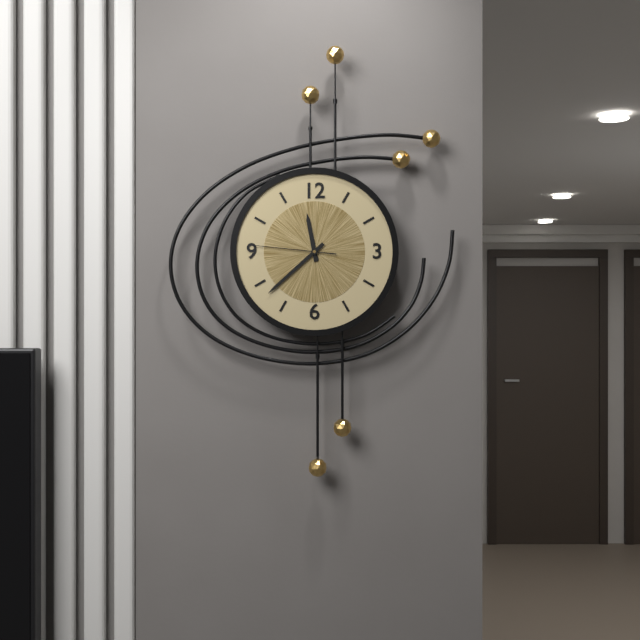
11:38:46
